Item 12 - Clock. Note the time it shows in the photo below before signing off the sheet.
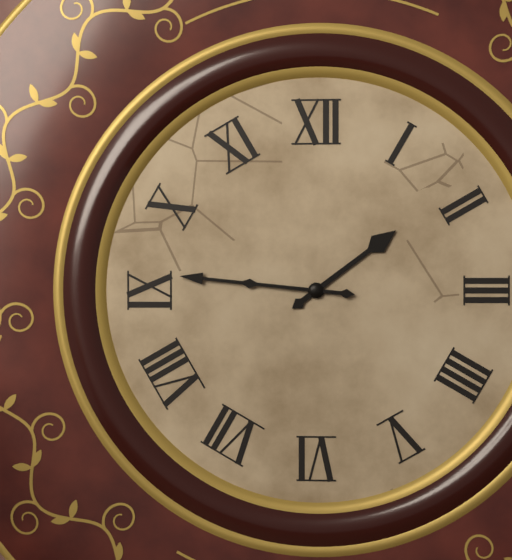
1:46
